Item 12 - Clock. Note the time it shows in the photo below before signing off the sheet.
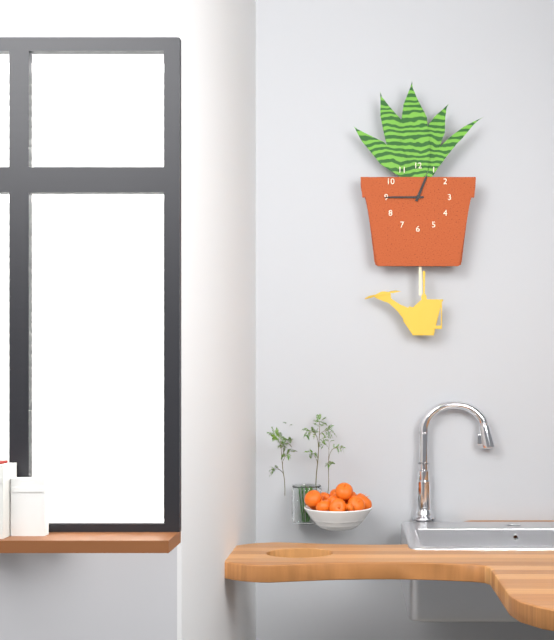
12:45
